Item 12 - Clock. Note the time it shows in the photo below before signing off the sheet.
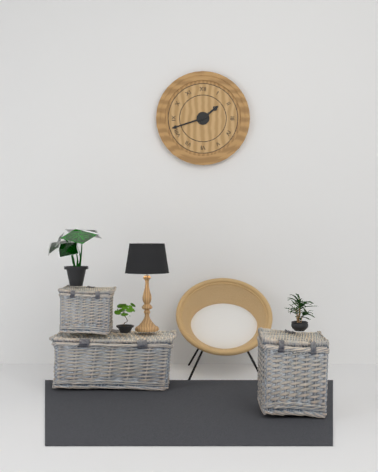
1:42
